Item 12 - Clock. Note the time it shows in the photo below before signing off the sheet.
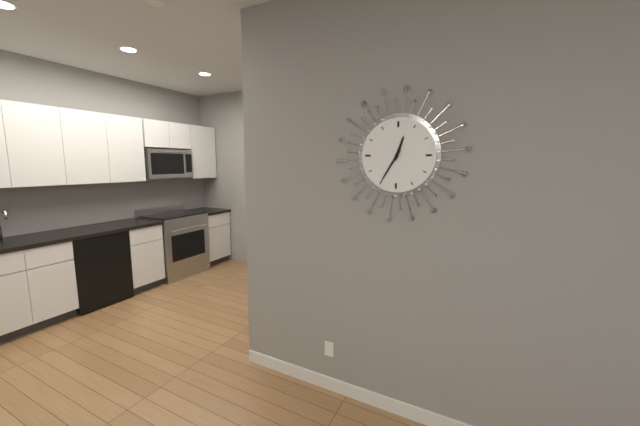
12:35
